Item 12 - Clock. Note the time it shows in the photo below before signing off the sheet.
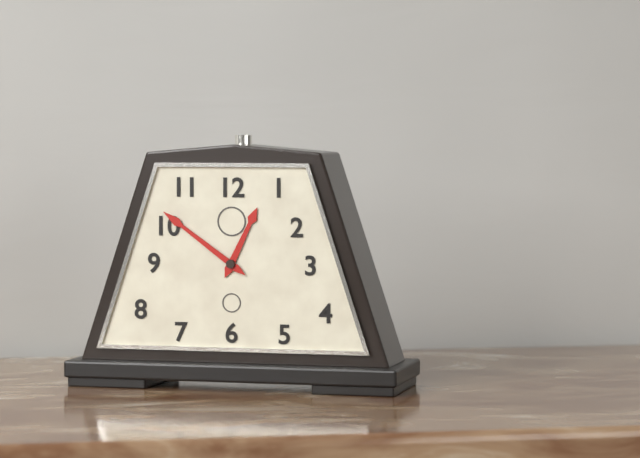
12:51
